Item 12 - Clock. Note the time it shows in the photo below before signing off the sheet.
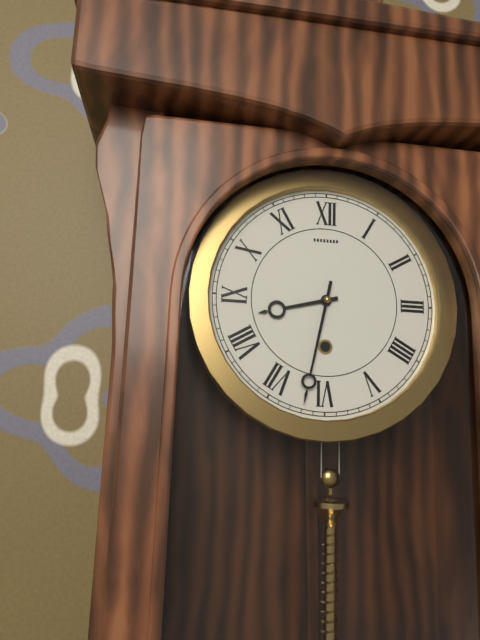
8:32
